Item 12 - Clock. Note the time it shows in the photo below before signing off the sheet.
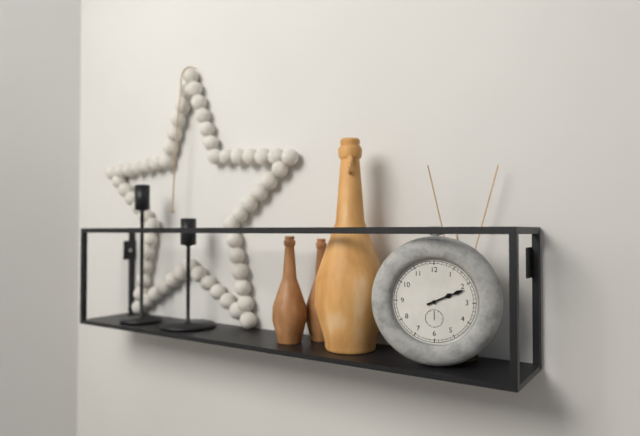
2:11
